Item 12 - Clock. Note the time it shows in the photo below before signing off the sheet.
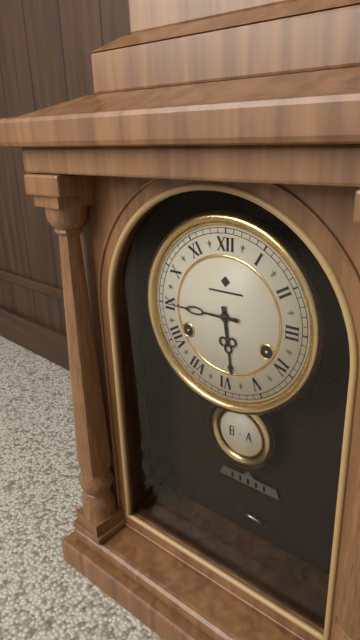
5:45
